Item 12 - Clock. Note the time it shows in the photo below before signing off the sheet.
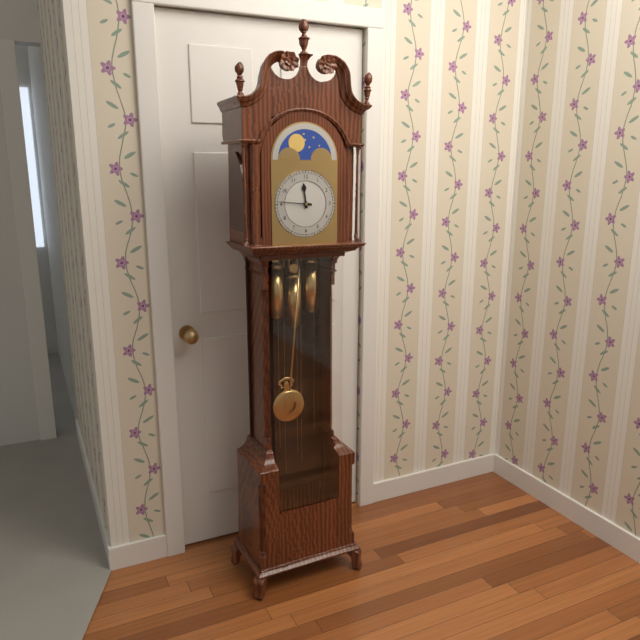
11:46
